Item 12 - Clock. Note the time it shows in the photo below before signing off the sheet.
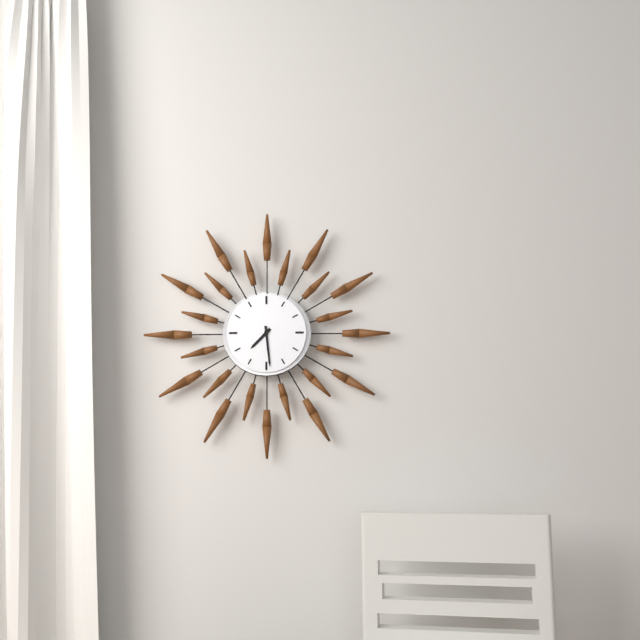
7:29
